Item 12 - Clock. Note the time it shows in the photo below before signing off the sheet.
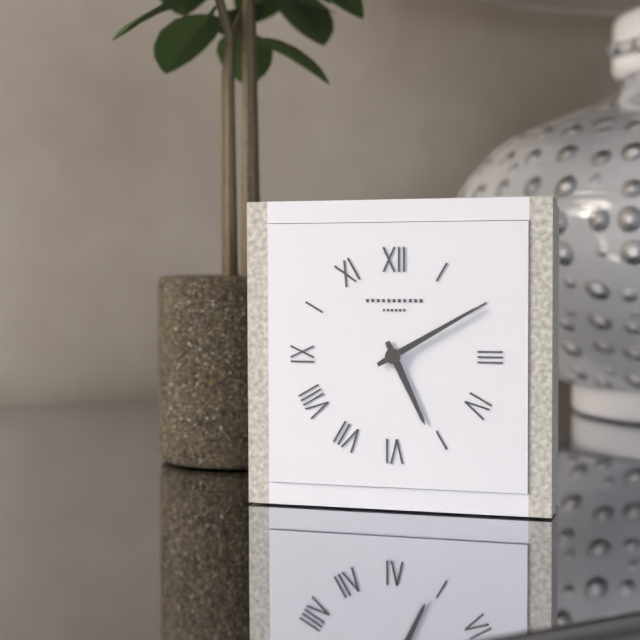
5:10
